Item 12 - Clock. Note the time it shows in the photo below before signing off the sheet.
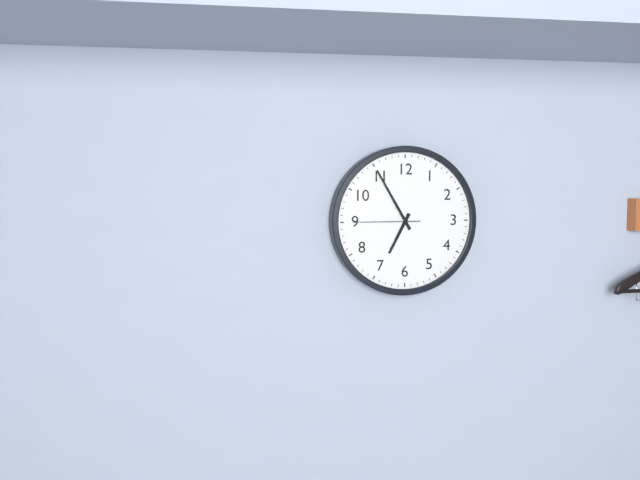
6:55:45
